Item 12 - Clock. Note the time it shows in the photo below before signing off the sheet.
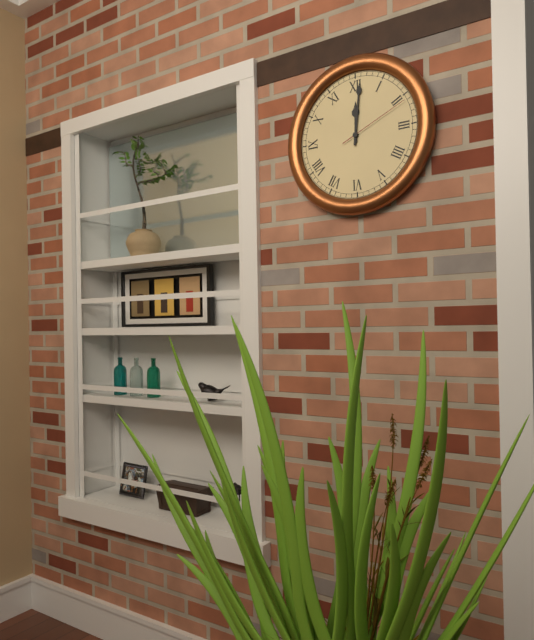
12:01:11
